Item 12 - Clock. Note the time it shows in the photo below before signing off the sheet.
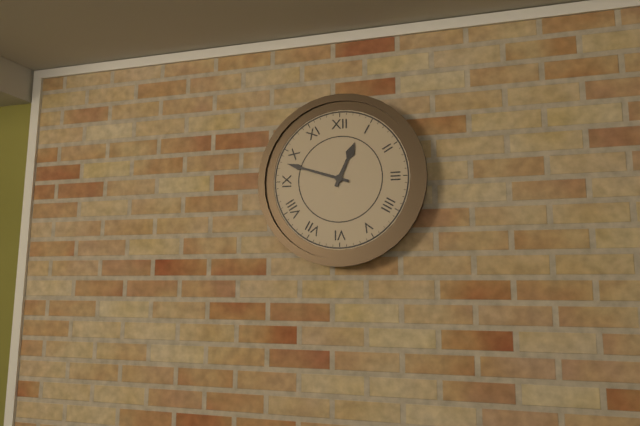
12:48
